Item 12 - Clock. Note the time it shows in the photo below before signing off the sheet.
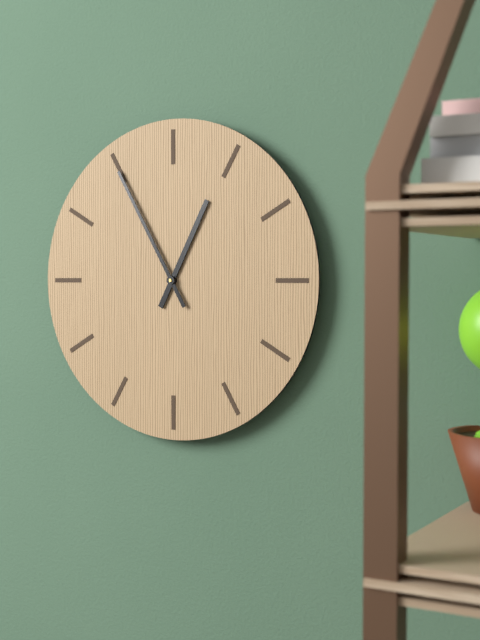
12:55
